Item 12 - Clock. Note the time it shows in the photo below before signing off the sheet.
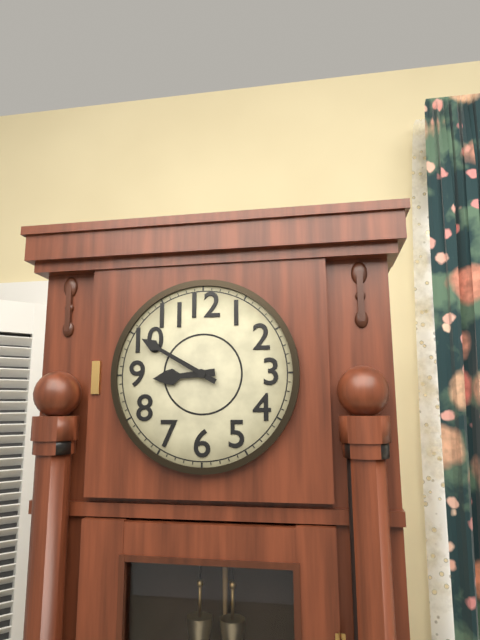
8:50
